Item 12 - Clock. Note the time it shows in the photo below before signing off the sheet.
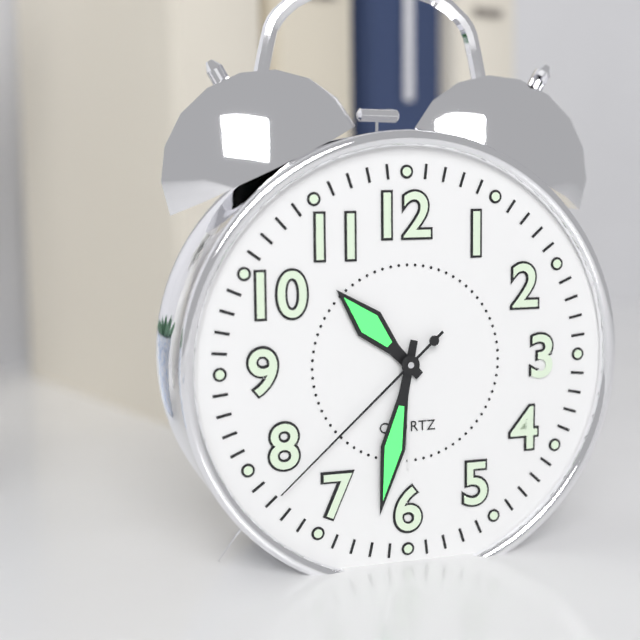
10:32:38
